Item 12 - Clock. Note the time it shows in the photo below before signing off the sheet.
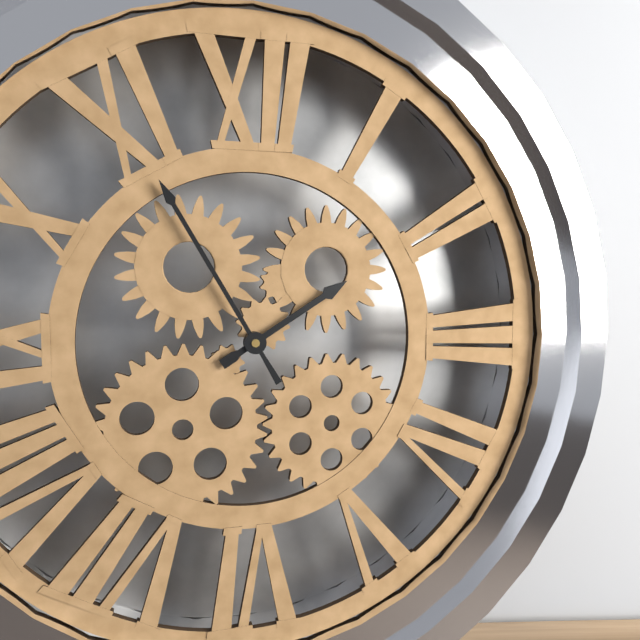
1:55
